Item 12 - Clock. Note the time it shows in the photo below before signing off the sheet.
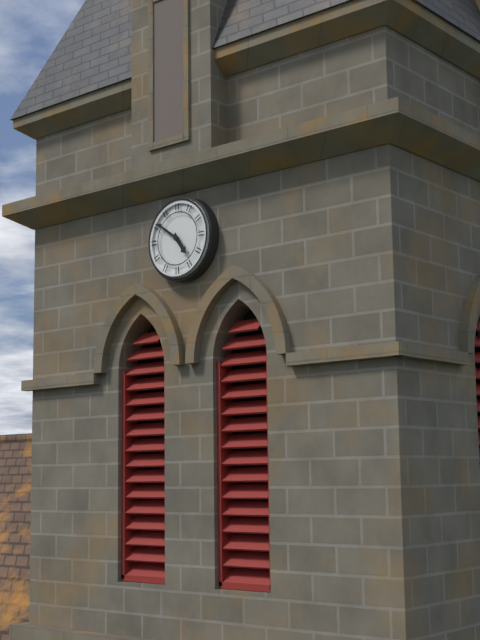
4:51
